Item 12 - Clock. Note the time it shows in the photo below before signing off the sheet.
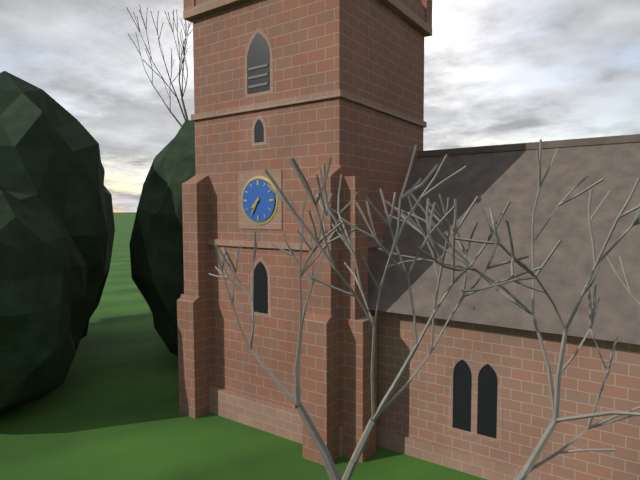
7:35
